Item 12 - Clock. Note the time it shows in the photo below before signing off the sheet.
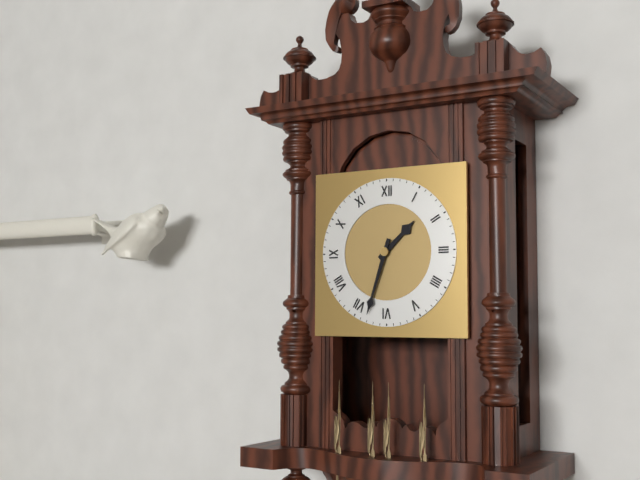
1:33
